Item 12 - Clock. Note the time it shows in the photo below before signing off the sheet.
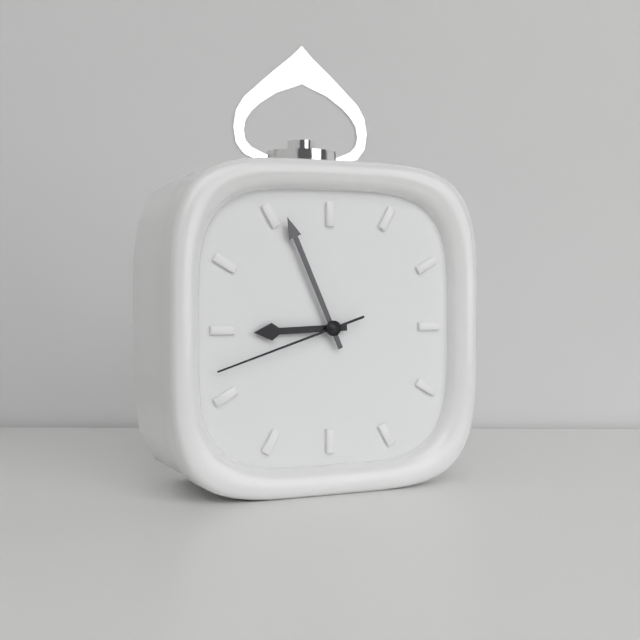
8:56:42
